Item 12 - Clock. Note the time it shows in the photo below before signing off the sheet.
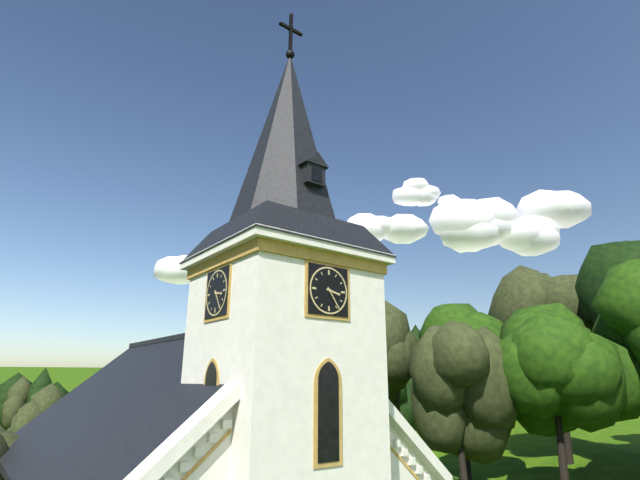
3:24
